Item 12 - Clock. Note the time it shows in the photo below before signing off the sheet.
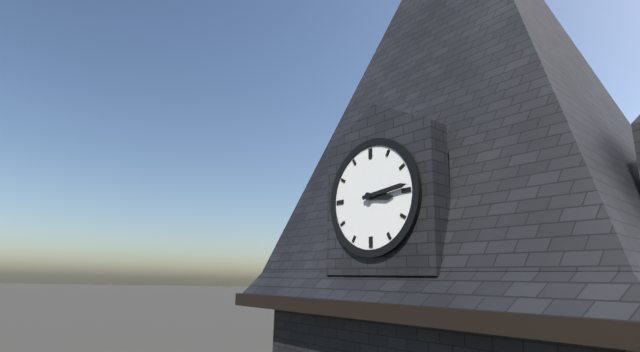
3:14
